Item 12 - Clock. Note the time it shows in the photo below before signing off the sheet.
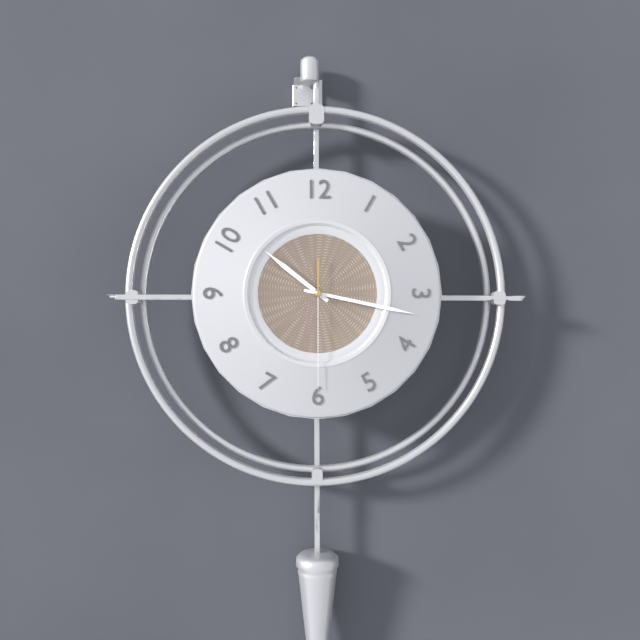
10:17:30
